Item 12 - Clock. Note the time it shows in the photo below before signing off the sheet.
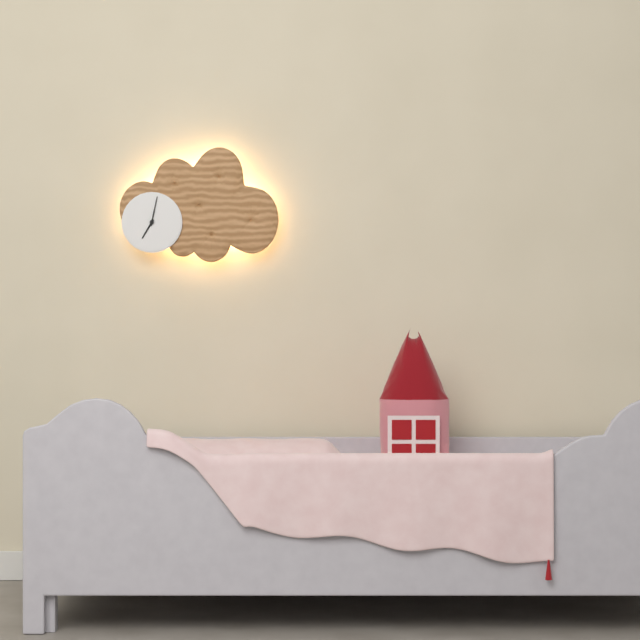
7:02
